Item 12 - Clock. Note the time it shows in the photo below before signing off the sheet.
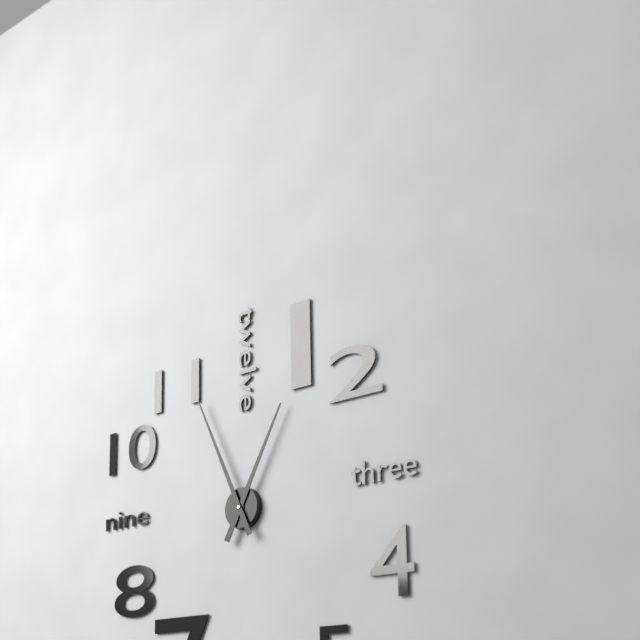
12:56
